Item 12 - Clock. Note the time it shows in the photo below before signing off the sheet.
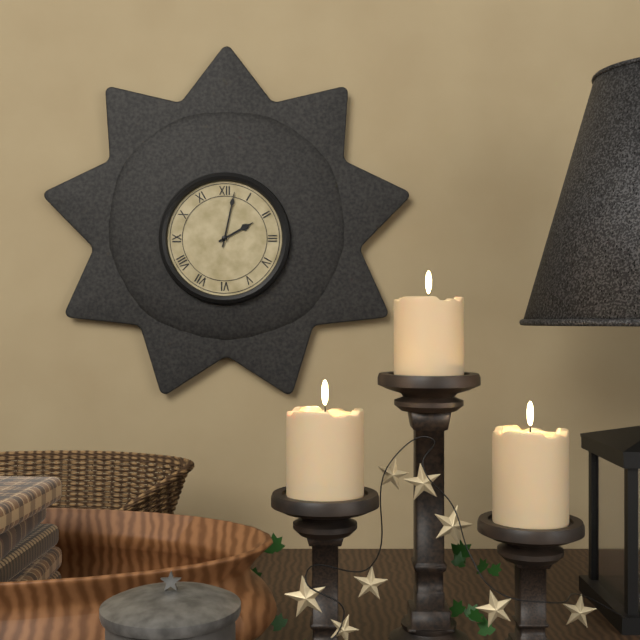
2:02
